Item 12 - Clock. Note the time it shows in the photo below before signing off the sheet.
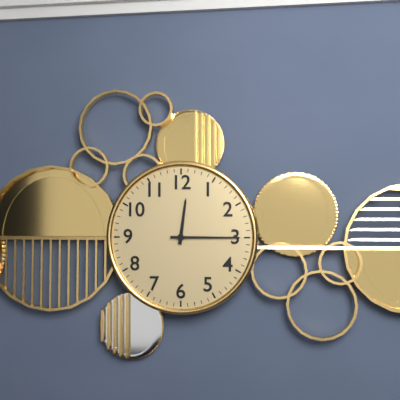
12:15
